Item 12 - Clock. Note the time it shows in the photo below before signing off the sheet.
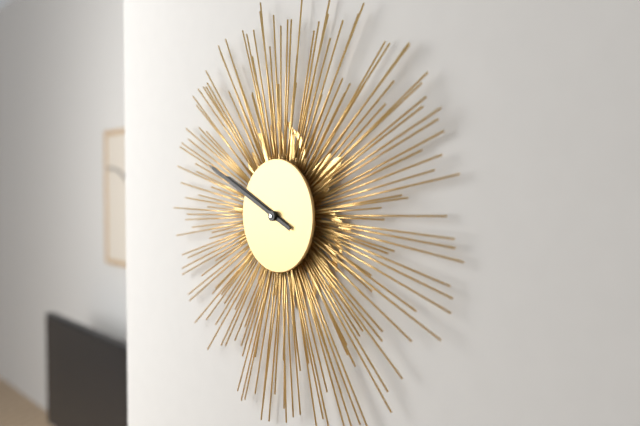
9:49
